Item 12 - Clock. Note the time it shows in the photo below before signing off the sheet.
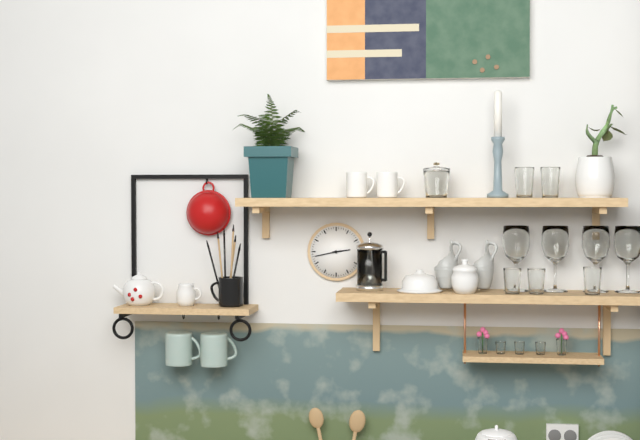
2:43
